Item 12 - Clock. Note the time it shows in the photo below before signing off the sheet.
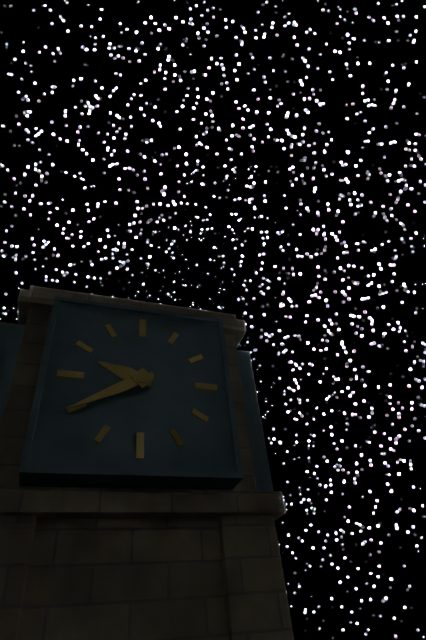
9:40
